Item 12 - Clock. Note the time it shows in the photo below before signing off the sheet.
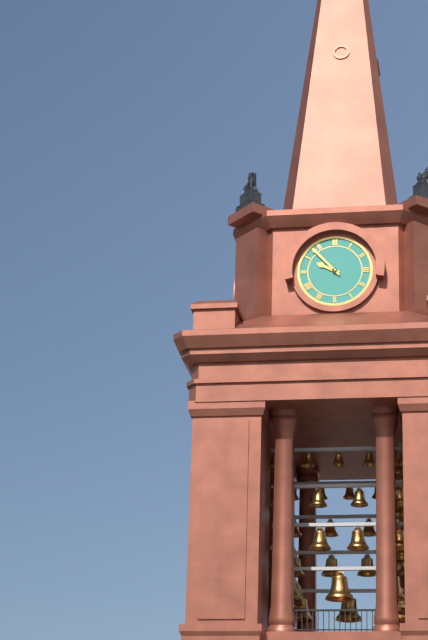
9:53
